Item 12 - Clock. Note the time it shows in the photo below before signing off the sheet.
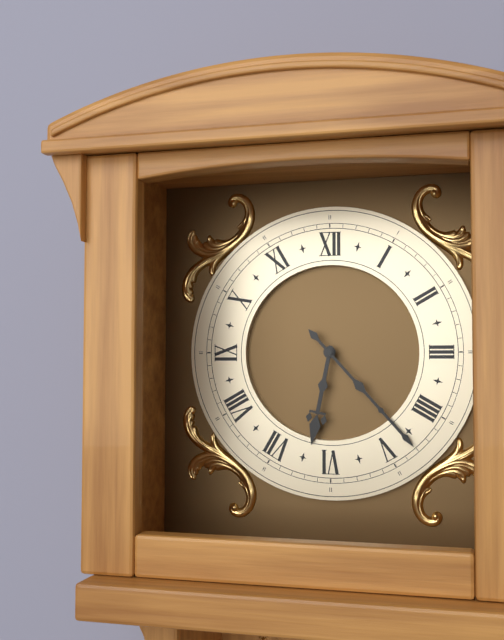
6:23
